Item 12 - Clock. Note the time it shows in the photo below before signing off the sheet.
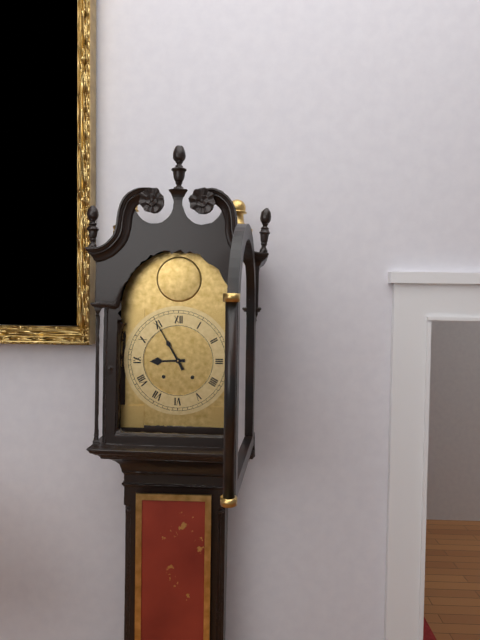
8:55
